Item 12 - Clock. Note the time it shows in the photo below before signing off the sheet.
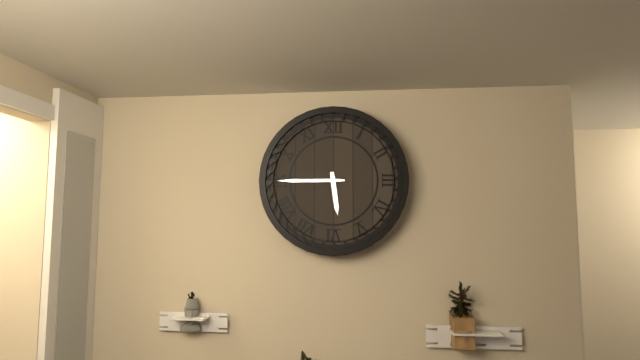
5:45
